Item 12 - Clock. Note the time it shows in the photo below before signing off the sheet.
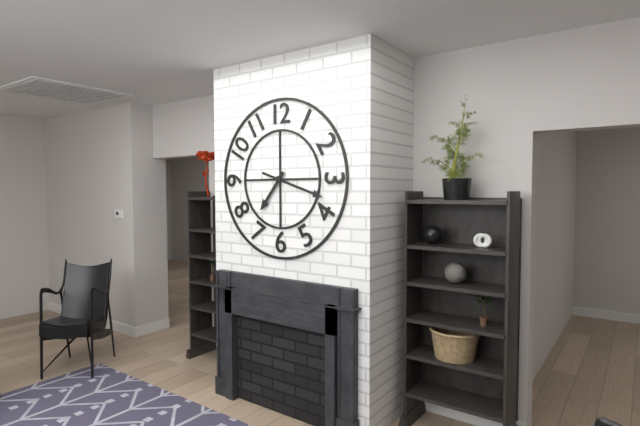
7:18
